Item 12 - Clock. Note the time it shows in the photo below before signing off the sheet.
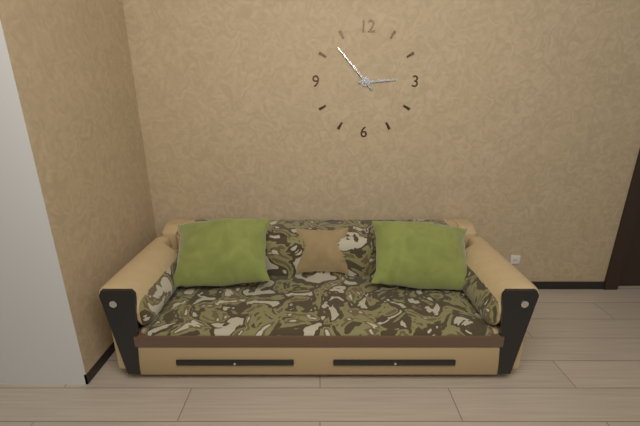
2:53
